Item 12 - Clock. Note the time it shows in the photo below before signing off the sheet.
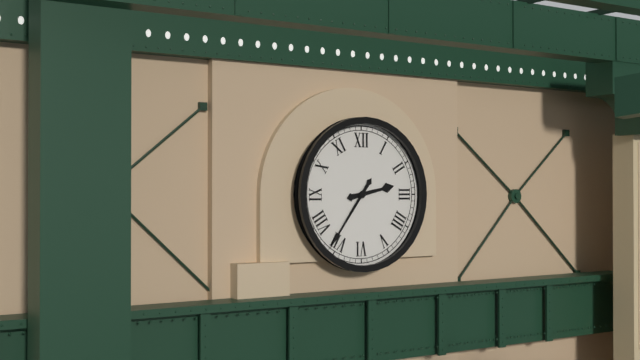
2:36
